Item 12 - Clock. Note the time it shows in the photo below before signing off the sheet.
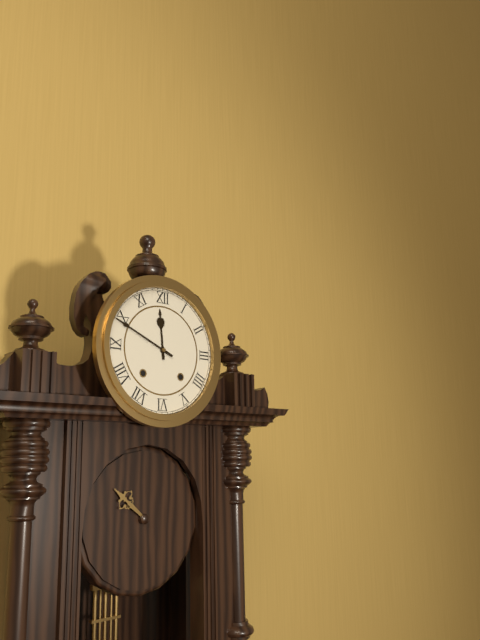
11:49
